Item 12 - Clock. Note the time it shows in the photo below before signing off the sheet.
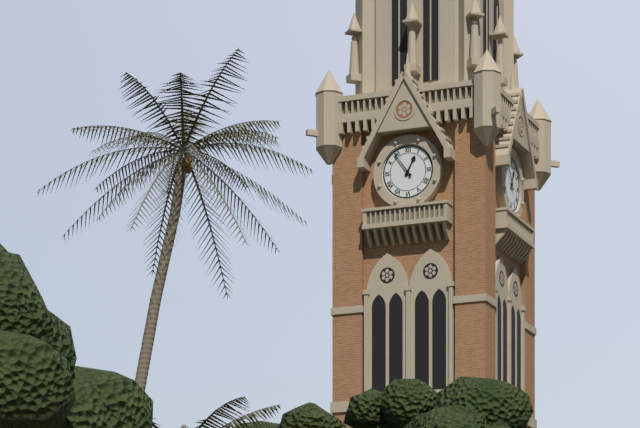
12:54
